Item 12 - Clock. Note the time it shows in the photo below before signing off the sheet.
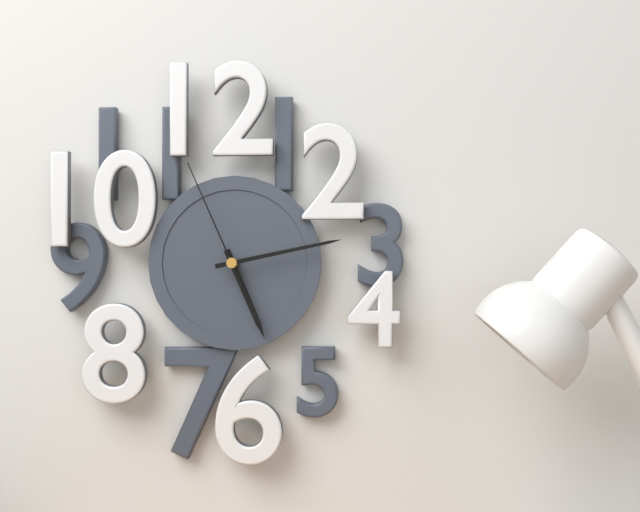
5:13:56
